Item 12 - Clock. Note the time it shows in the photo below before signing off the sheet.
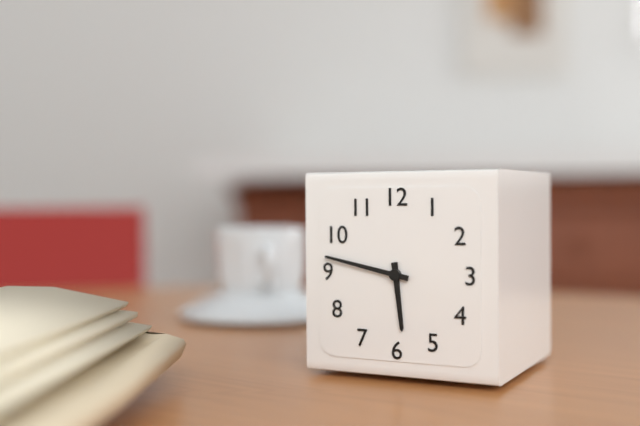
5:47
